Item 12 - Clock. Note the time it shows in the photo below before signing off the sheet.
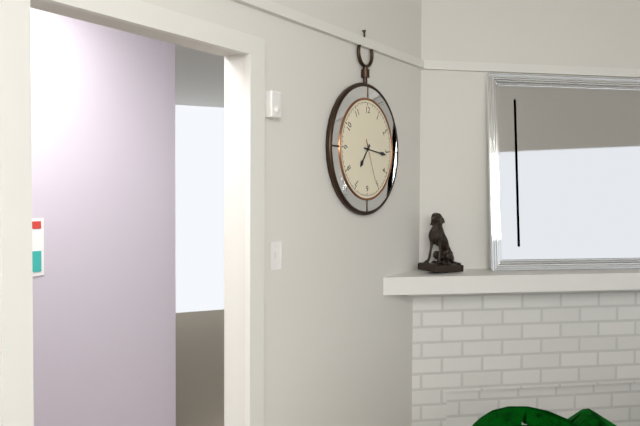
7:16
